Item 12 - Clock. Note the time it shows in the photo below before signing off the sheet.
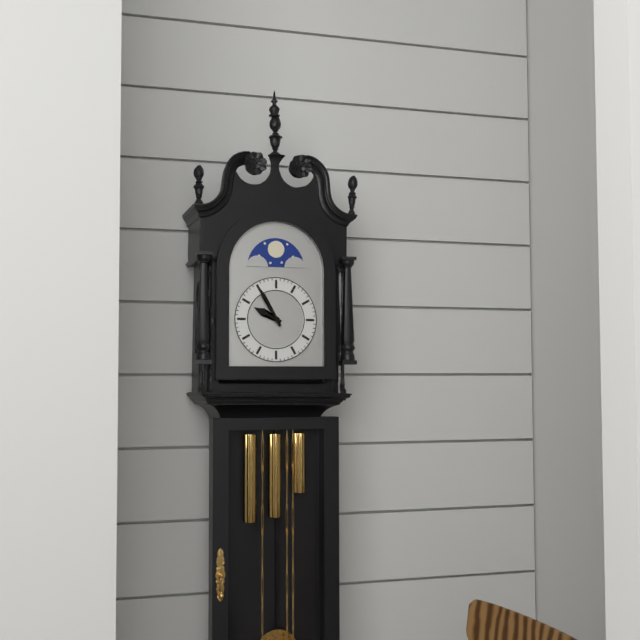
9:55
